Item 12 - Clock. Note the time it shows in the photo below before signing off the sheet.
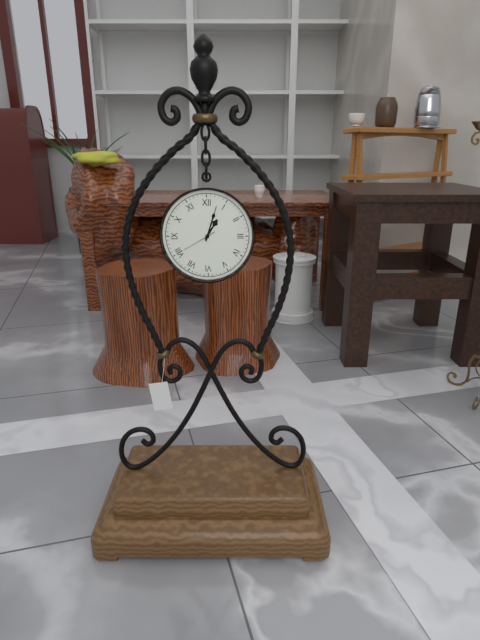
1:03
